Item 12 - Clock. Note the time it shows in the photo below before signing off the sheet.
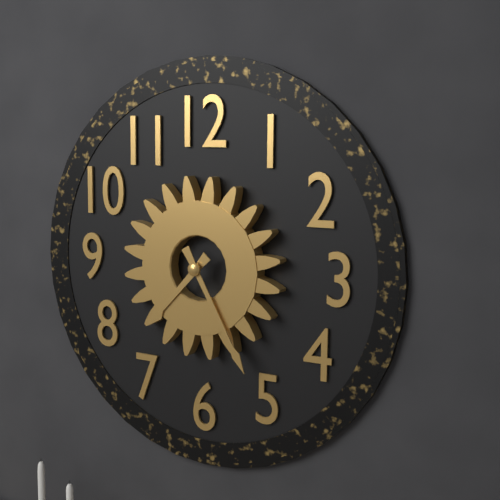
7:25
